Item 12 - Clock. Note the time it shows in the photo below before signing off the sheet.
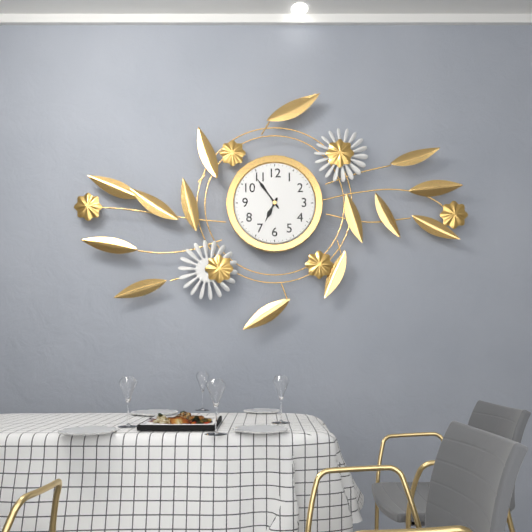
6:54
